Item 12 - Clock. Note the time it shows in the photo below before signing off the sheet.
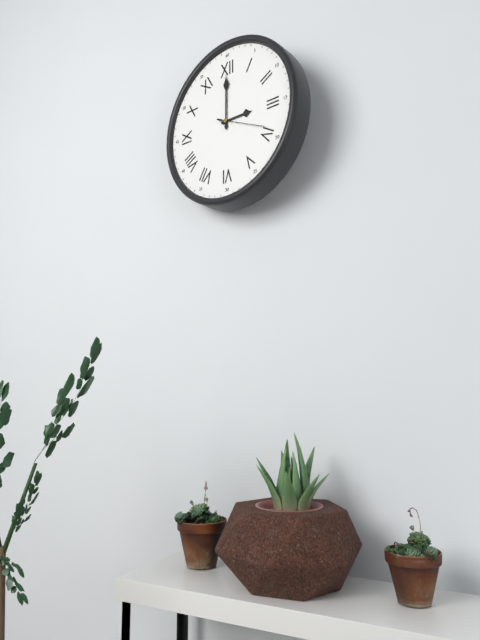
3:00
